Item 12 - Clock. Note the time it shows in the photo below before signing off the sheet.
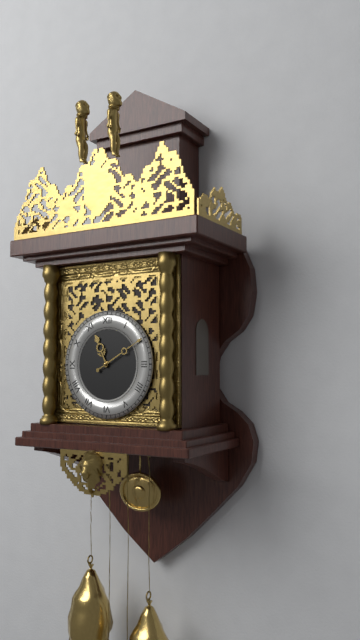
11:10
